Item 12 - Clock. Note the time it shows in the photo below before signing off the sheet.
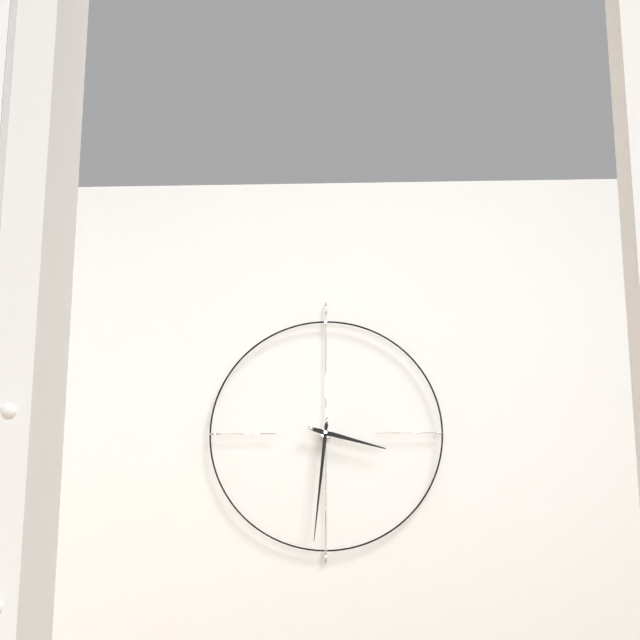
3:31
